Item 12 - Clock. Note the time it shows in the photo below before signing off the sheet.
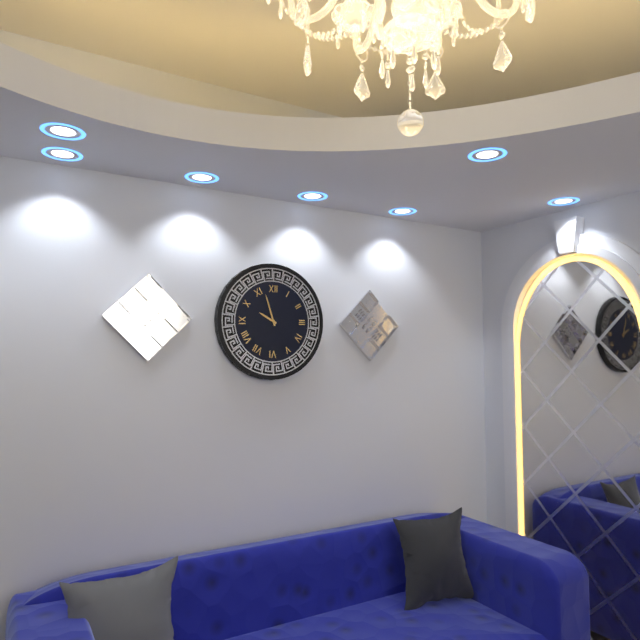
9:57
